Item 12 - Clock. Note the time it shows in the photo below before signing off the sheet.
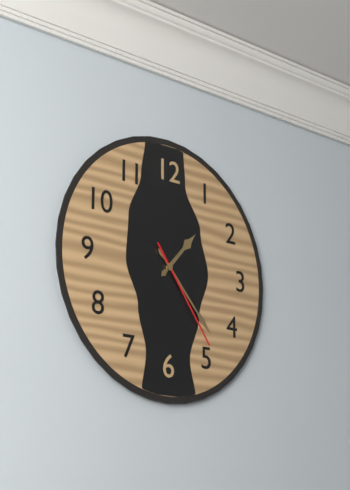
1:23:24
